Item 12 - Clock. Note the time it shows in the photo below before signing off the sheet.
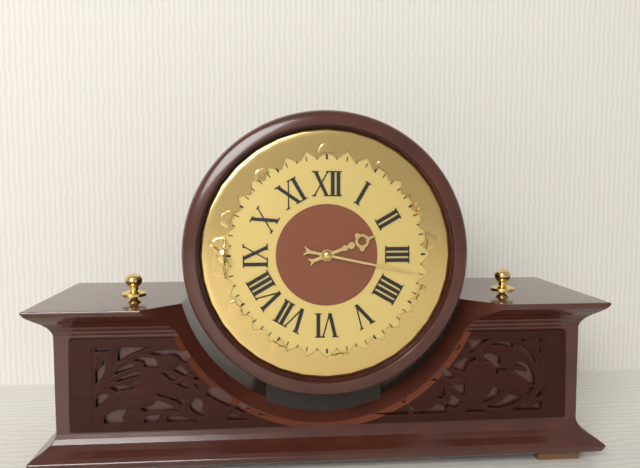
2:17
